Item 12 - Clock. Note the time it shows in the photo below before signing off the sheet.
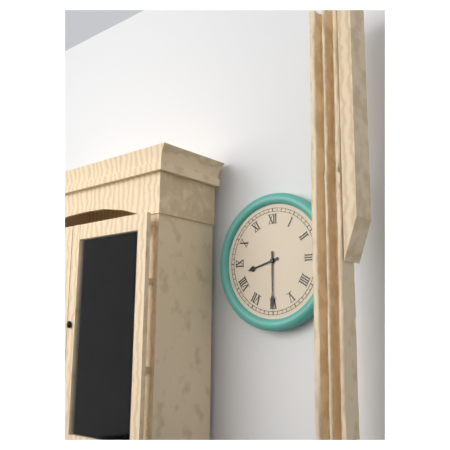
8:30
